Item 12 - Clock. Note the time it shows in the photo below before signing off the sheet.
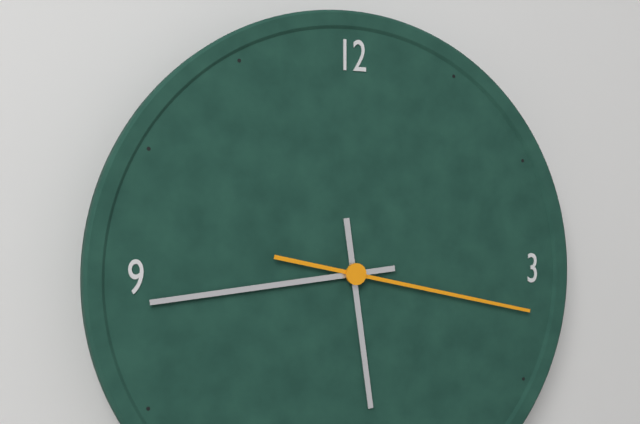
5:44:17
